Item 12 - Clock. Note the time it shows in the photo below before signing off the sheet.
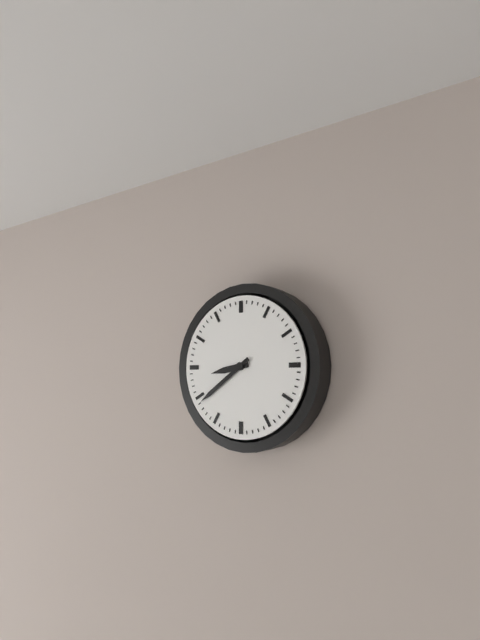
8:39
